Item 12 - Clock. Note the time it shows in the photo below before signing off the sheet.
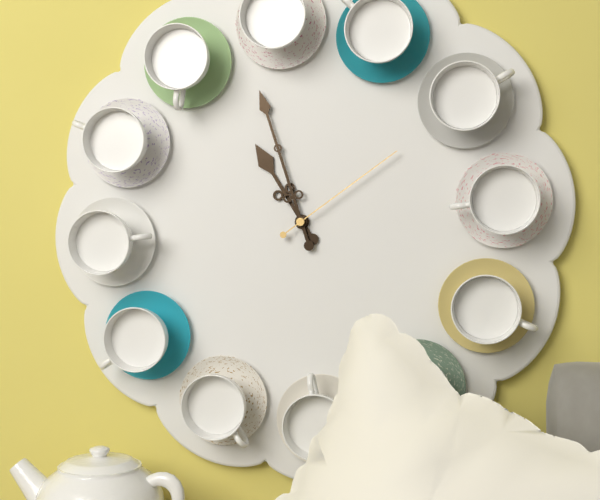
10:57:09
